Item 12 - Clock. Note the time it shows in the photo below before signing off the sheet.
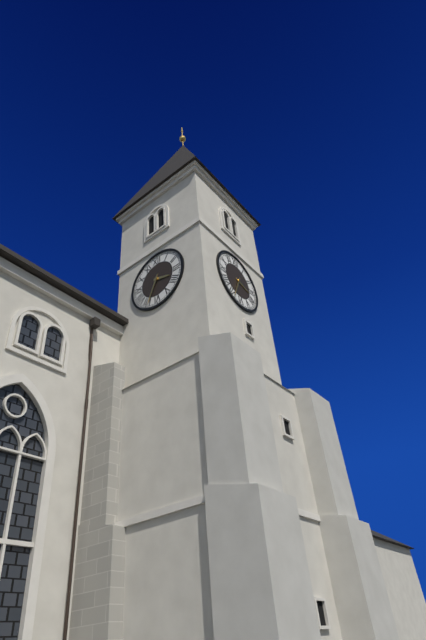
3:34
